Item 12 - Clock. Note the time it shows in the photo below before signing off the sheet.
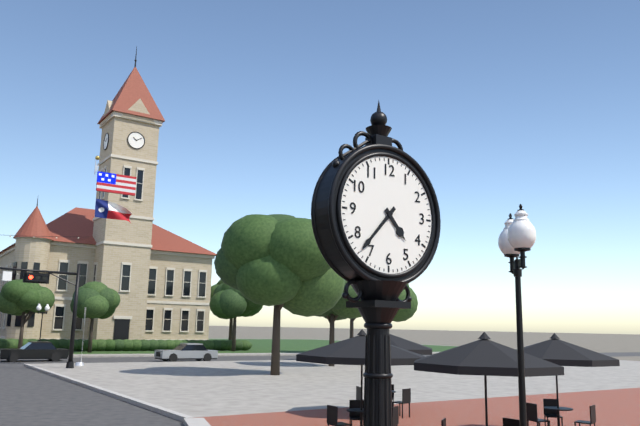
4:37
